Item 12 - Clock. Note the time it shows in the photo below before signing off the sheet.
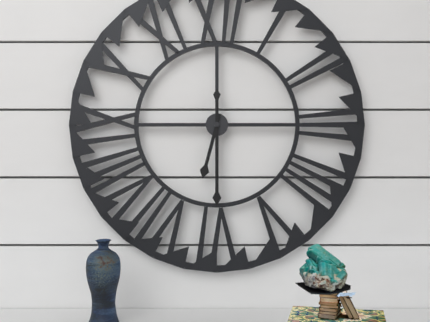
6:30
